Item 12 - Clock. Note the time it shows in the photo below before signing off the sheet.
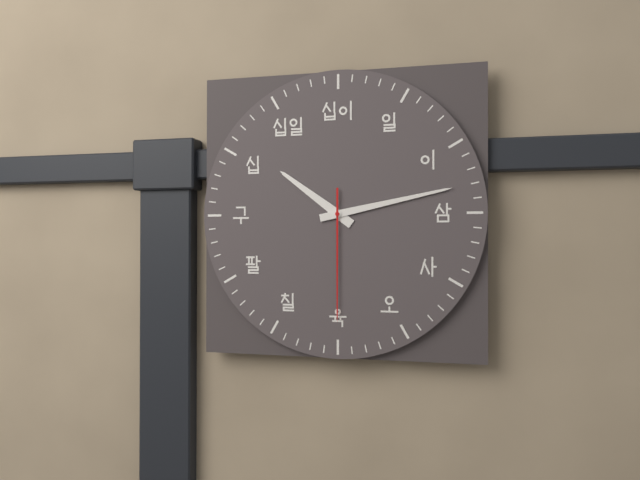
10:13:30
